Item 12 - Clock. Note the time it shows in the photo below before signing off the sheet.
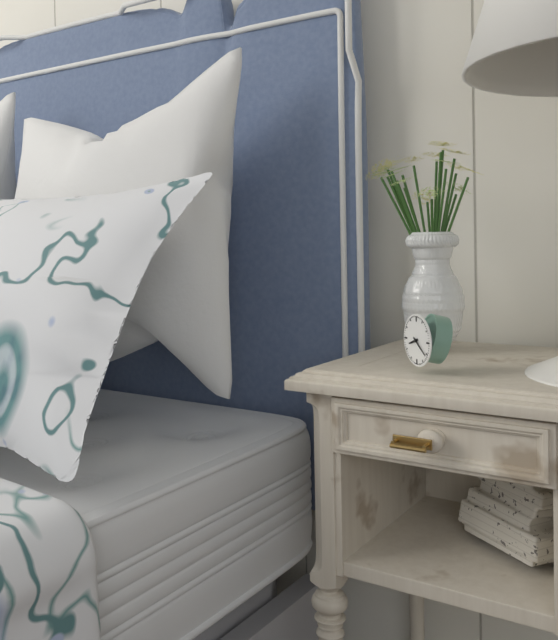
8:21
